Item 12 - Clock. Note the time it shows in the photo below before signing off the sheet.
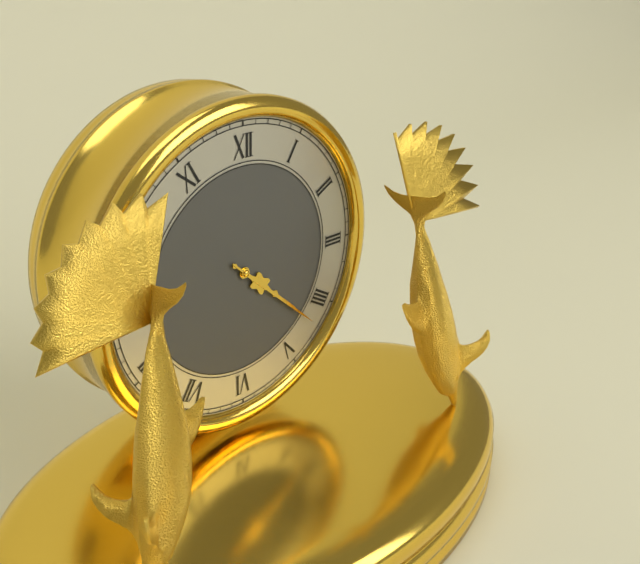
4:22
